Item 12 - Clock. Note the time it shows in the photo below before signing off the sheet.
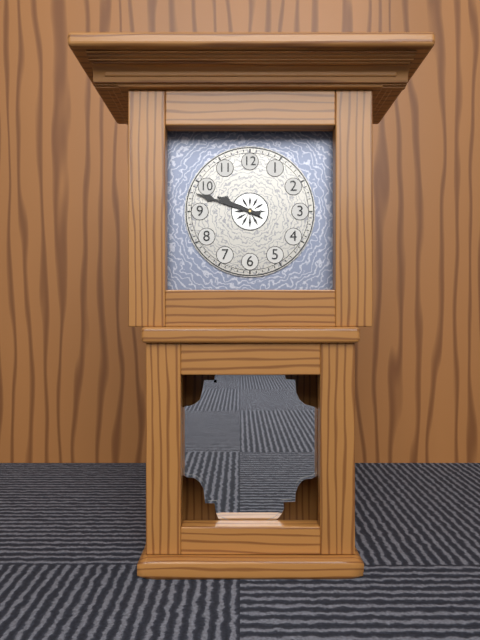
9:48
